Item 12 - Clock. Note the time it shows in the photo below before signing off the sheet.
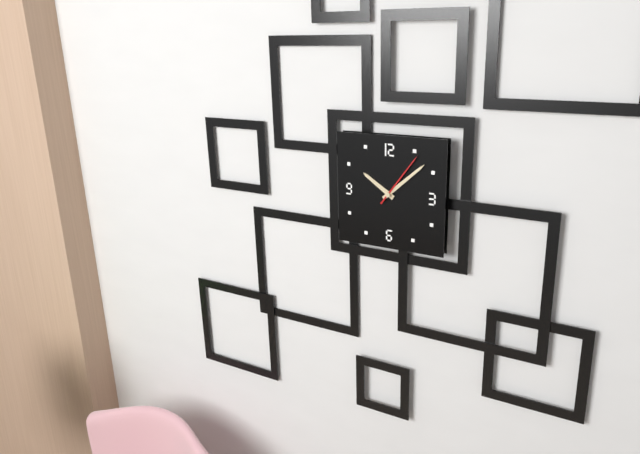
10:08:06
